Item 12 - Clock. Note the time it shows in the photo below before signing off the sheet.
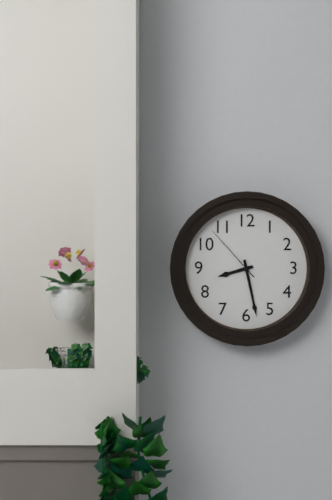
8:28:53
